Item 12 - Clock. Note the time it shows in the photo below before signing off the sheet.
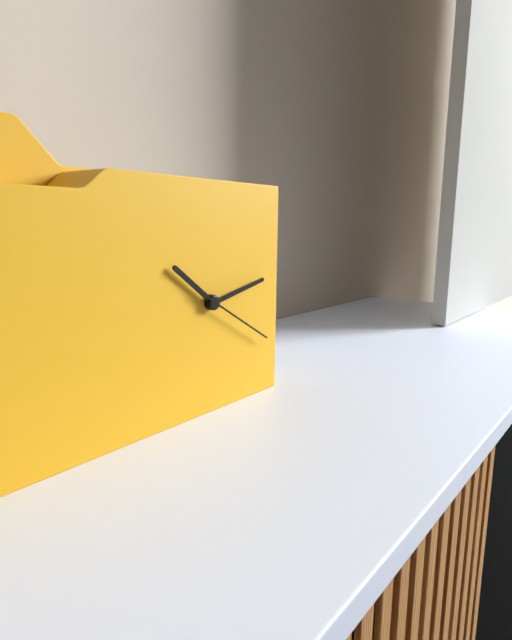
10:13:20
